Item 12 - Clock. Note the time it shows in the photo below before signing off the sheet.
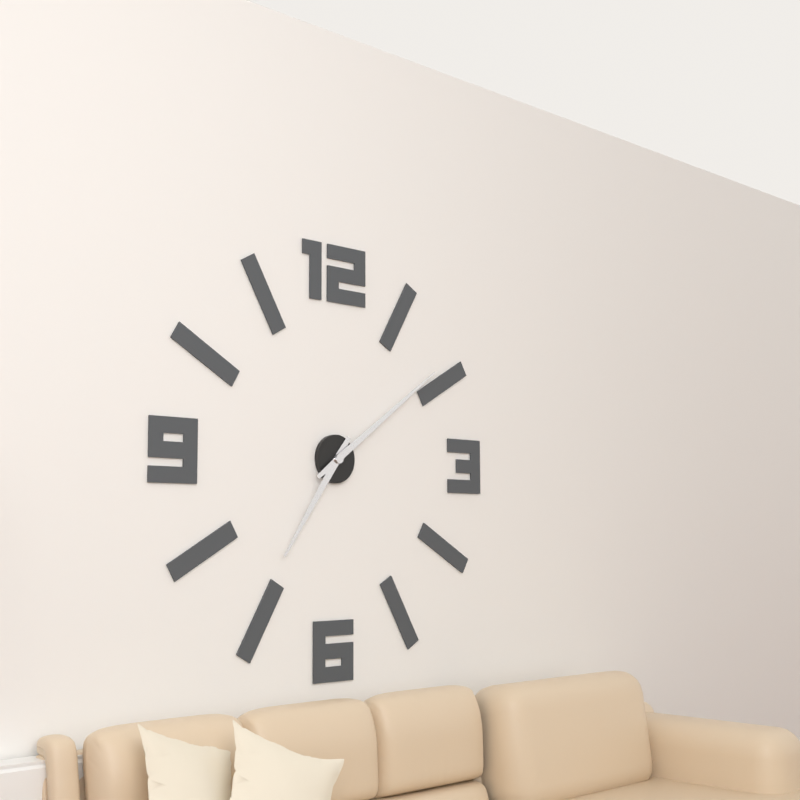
7:09
